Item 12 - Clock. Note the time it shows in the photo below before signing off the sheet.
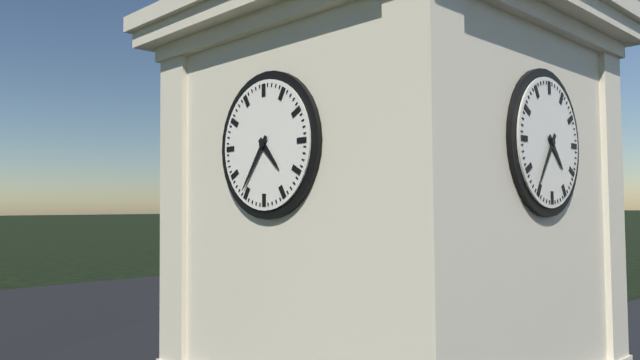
4:36
